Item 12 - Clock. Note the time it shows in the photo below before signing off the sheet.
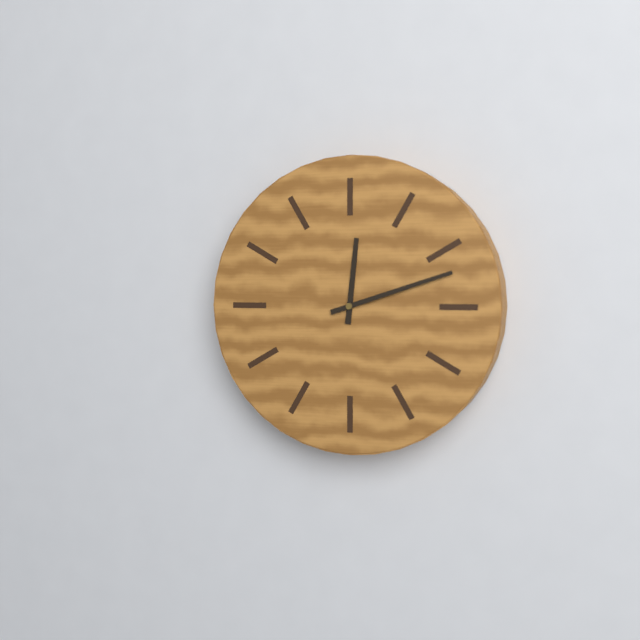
12:12
